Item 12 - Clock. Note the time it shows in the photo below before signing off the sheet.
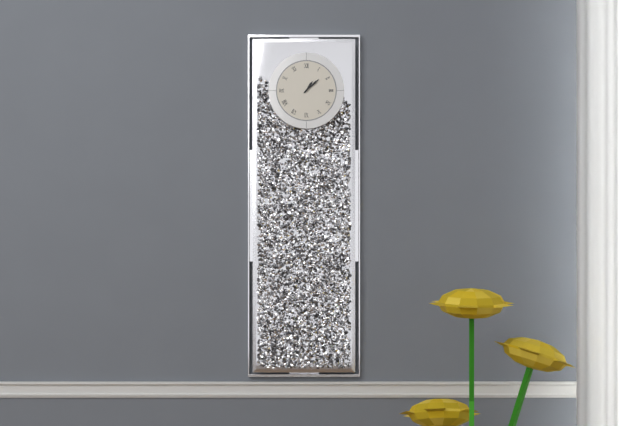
1:08
